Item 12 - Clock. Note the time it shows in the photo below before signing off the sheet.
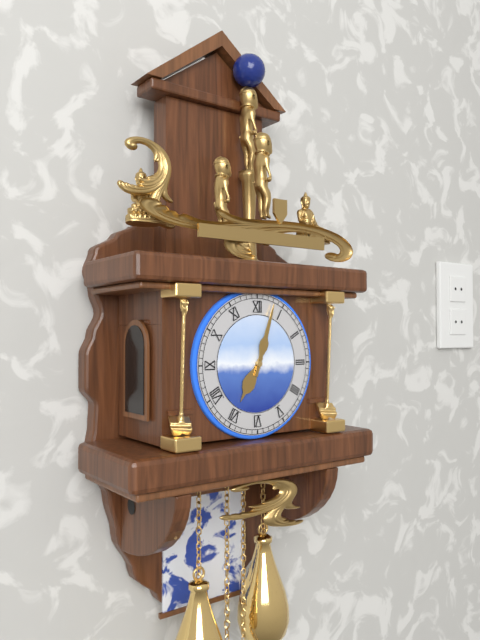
7:03
